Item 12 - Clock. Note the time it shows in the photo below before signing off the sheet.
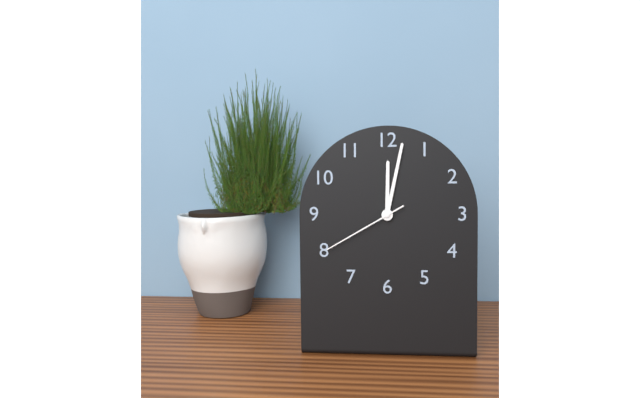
12:02:40
